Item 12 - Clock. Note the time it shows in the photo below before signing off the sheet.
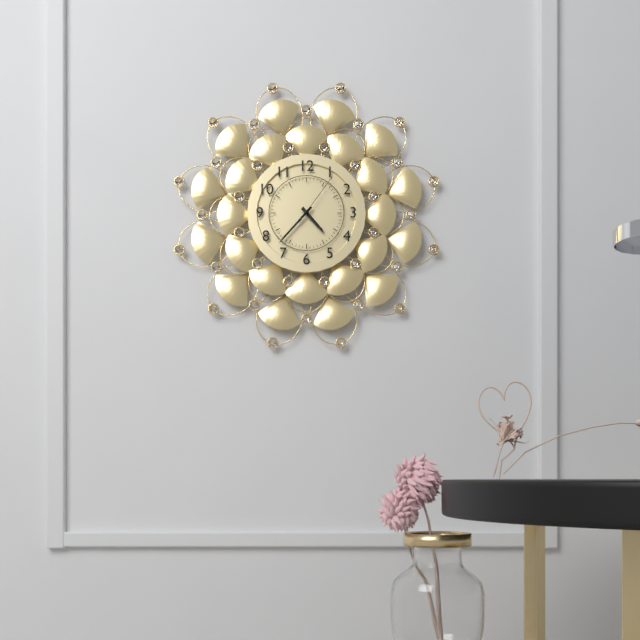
4:37:06
